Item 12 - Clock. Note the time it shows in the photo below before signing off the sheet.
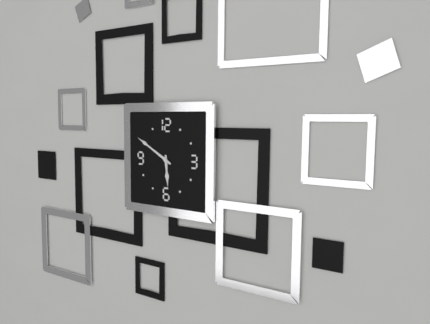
5:50
